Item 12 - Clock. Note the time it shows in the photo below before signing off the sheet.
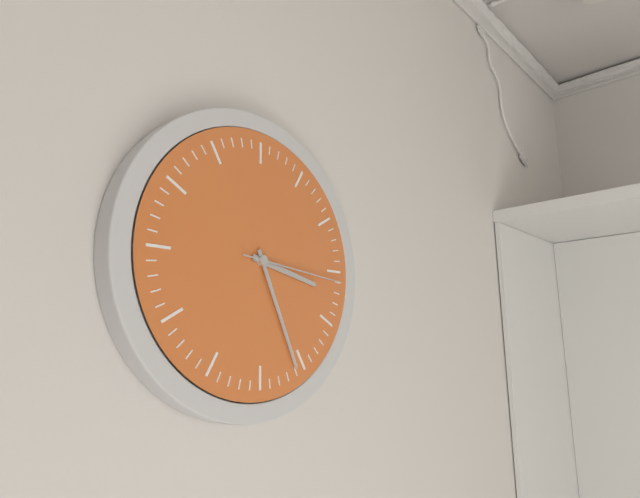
3:26:16
